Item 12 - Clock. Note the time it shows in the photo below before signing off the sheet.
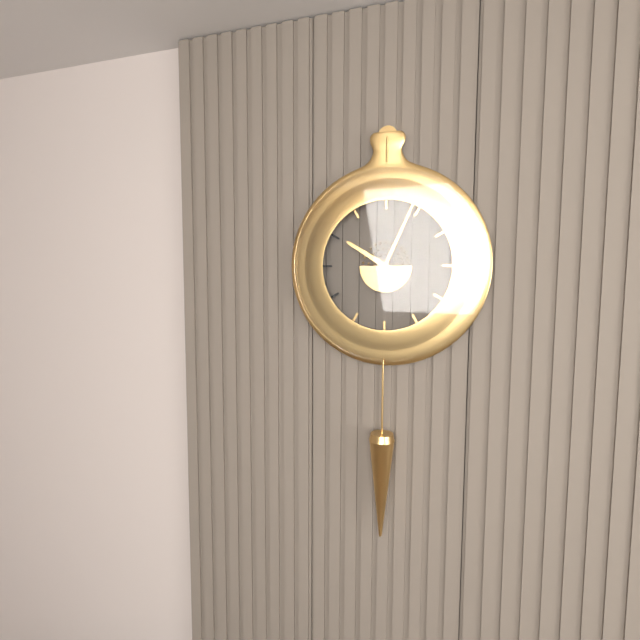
10:04
